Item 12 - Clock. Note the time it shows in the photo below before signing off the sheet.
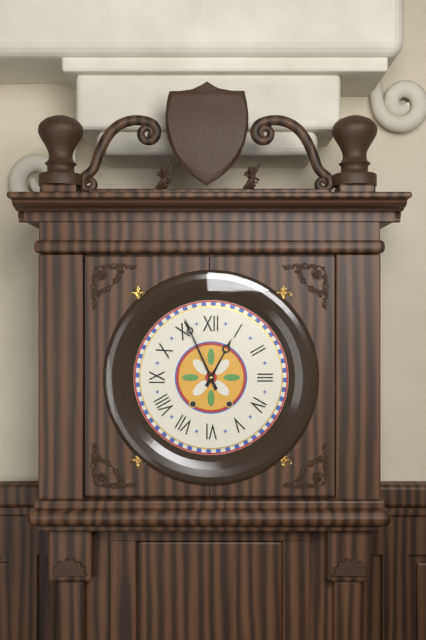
12:56
